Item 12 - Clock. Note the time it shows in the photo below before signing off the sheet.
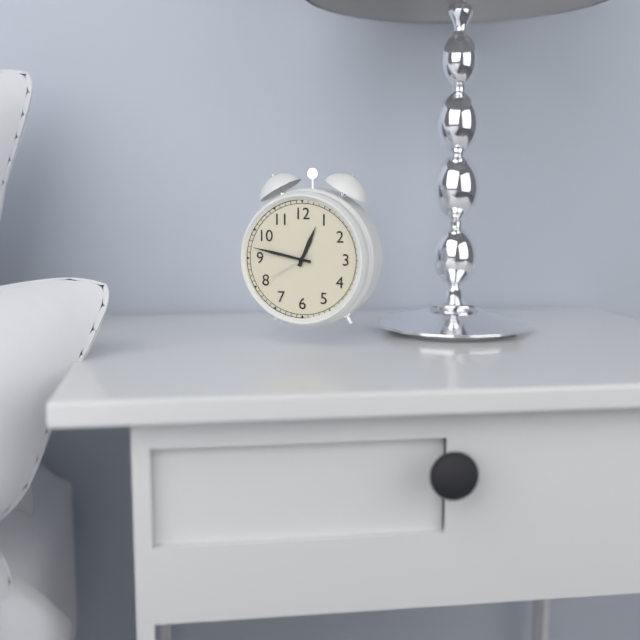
12:47:40
